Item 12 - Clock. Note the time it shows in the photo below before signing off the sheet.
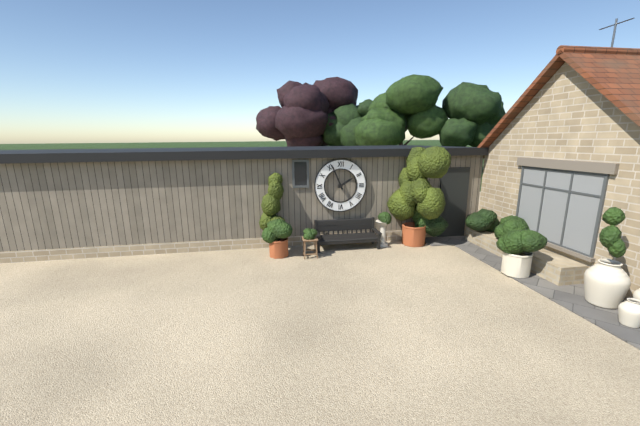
1:56
